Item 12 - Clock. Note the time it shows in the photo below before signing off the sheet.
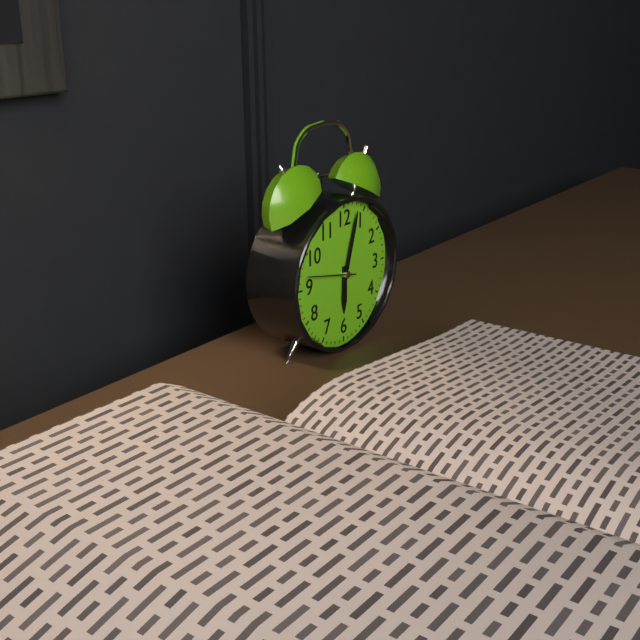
6:03
